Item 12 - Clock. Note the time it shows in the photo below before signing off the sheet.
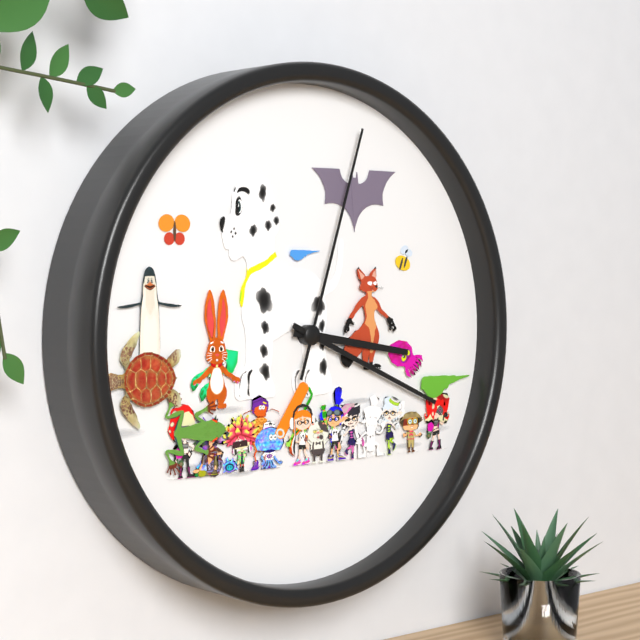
3:19:03
